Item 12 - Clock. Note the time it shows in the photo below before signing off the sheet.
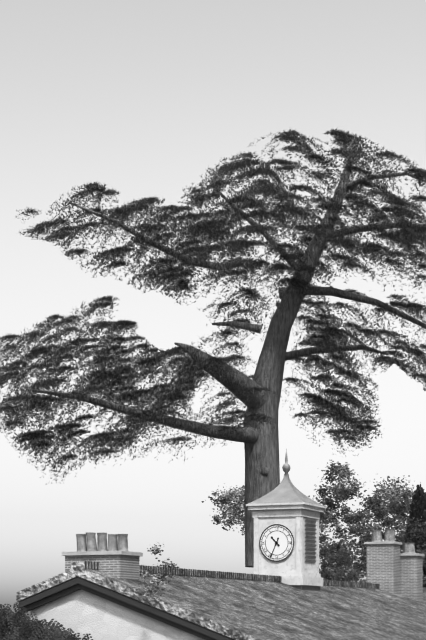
10:34
